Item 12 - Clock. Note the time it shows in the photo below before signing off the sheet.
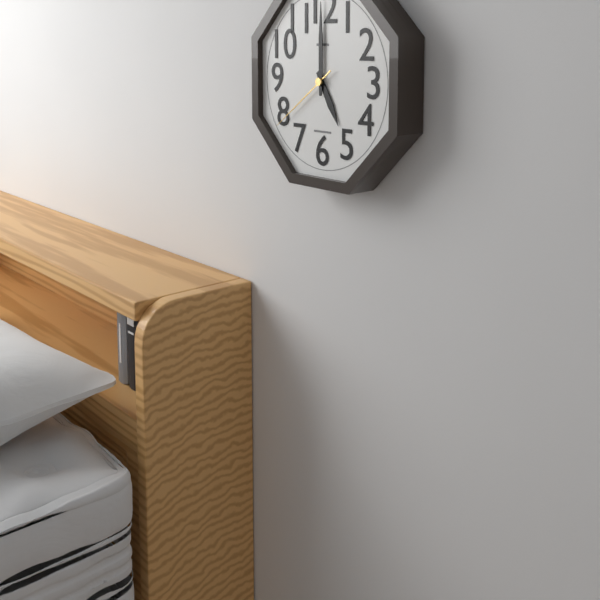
5:00:39
